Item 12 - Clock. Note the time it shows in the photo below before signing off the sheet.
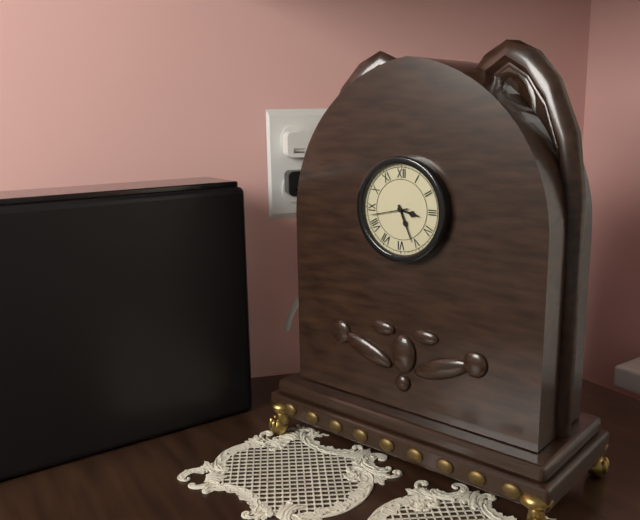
3:26
